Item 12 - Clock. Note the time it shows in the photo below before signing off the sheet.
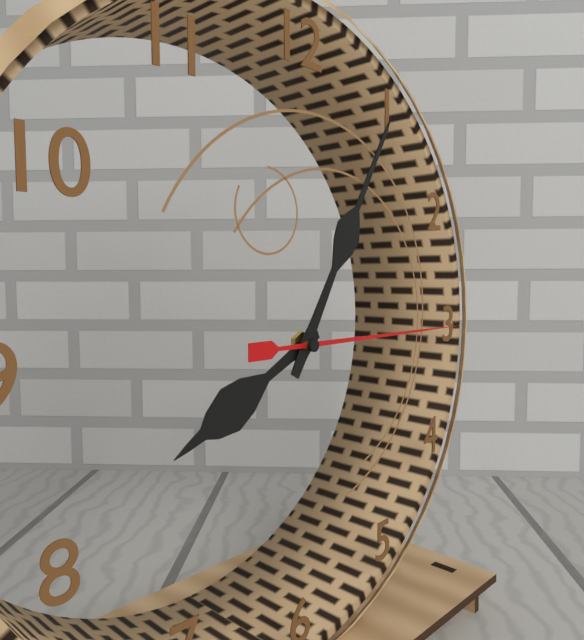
8:05:15
